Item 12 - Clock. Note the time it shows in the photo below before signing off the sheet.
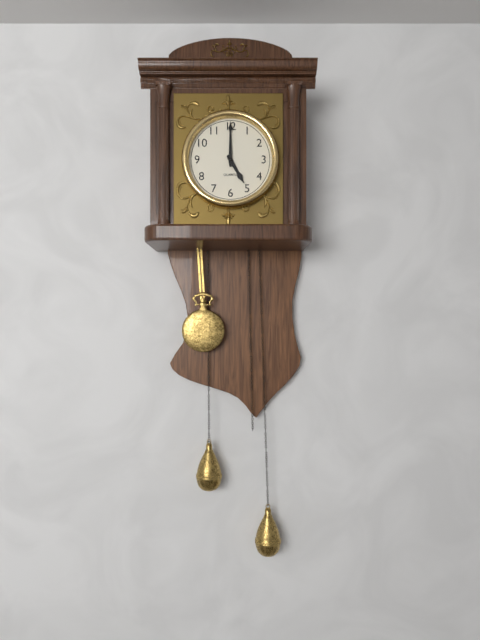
5:00
